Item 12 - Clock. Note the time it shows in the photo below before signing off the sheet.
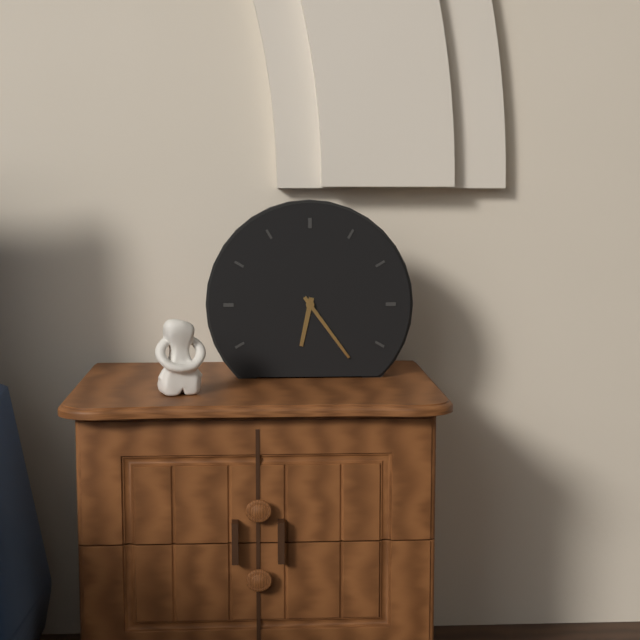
6:24
